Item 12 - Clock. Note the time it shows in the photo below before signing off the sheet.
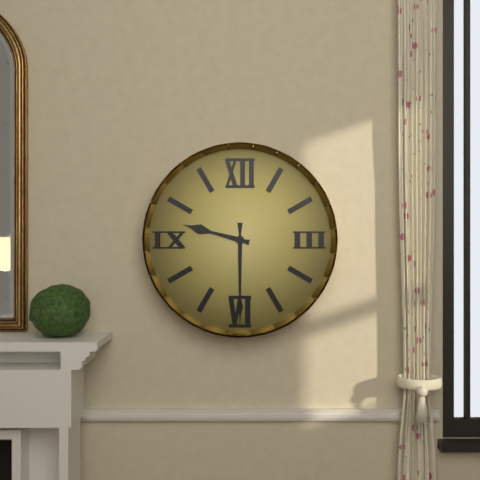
9:30
